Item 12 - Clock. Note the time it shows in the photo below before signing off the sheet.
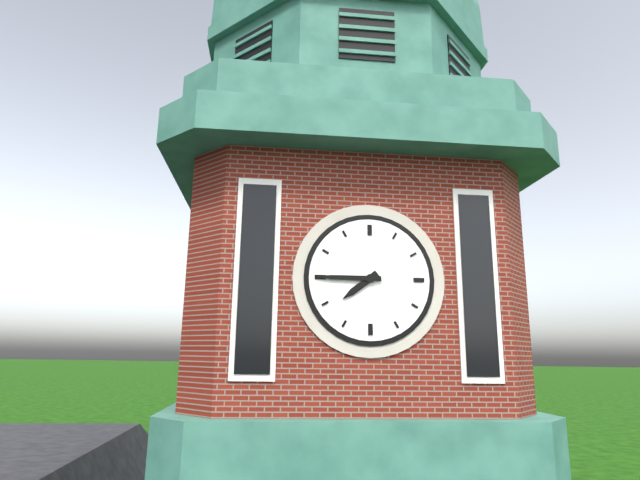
7:45
